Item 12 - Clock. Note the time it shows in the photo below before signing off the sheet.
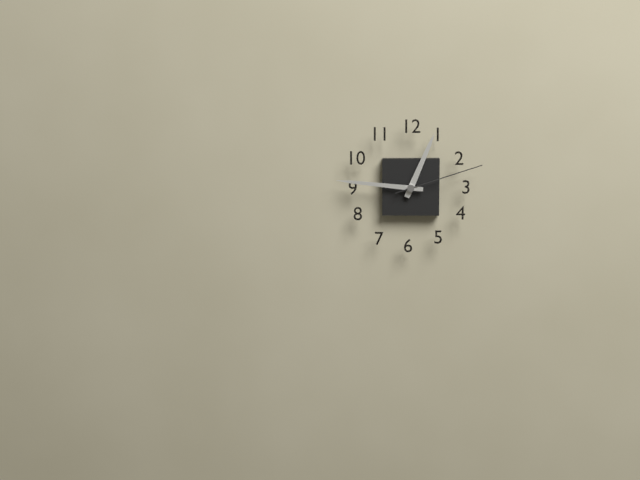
12:46:12
